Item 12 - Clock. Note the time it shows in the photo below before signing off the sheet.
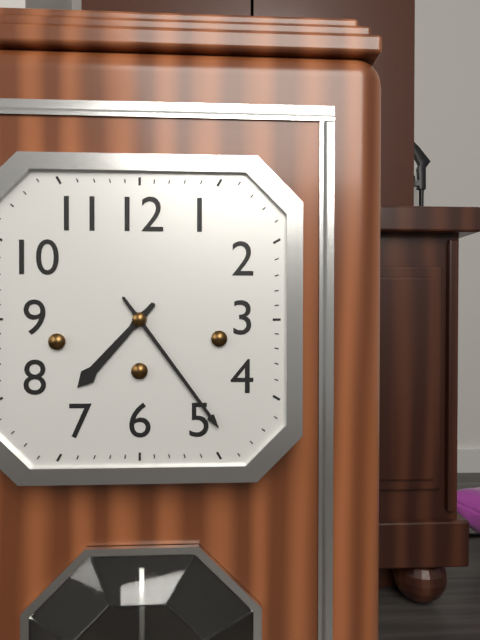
7:24
